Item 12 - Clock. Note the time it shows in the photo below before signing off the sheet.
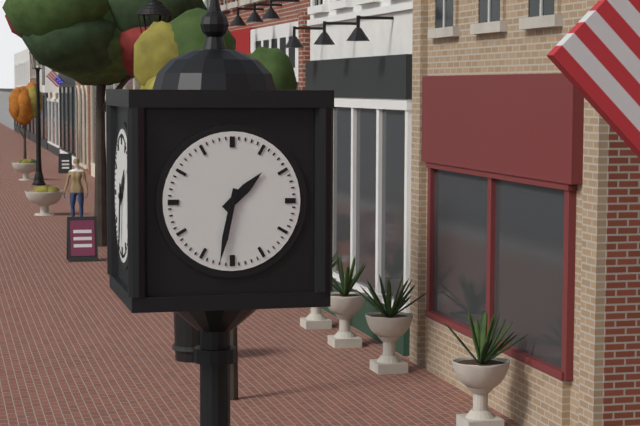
1:32
